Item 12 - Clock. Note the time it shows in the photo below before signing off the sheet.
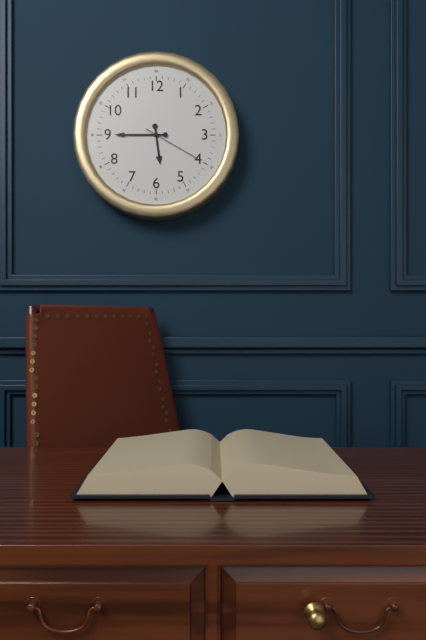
5:45:20
